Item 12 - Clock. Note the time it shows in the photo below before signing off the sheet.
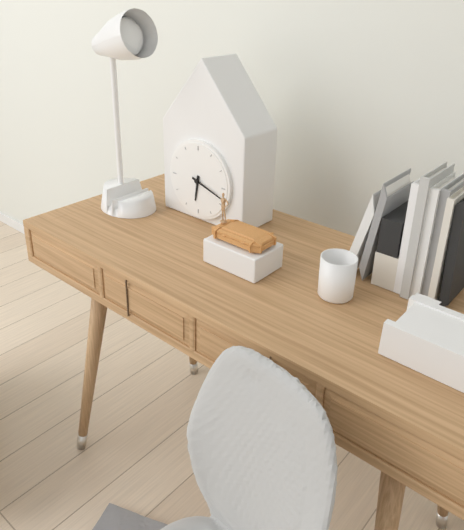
6:18
